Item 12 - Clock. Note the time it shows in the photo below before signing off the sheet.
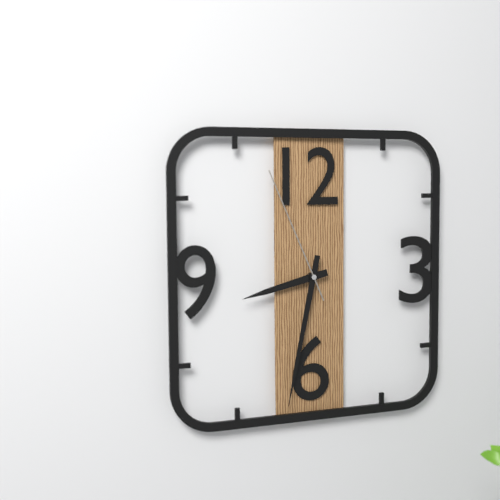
8:32:56
